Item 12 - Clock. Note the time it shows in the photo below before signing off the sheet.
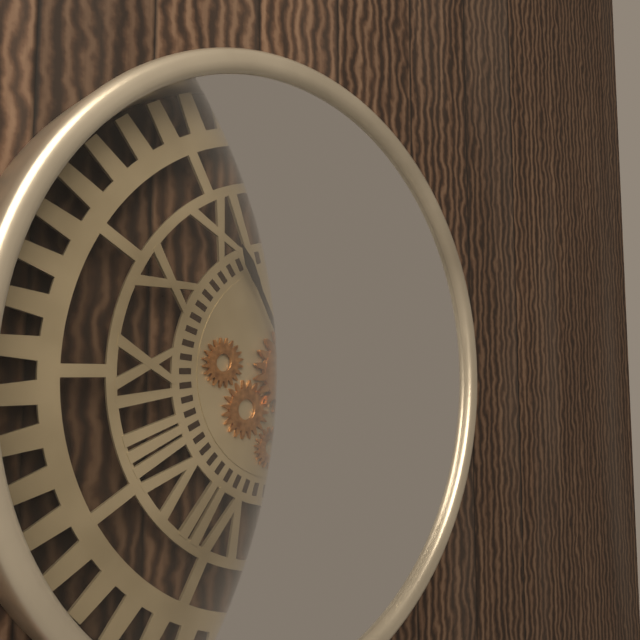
11:02
